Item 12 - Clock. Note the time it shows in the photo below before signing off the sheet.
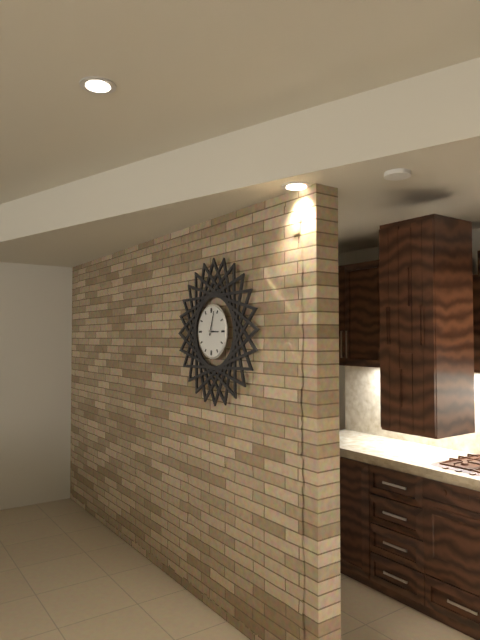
3:03
